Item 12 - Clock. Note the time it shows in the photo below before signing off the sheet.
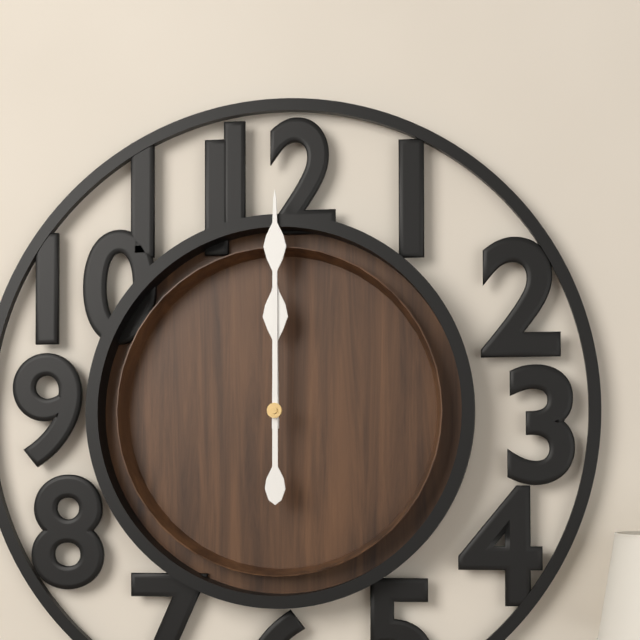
12:00
